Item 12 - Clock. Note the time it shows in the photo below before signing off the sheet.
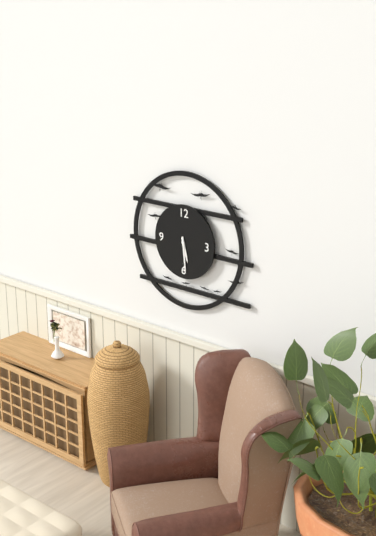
5:29
